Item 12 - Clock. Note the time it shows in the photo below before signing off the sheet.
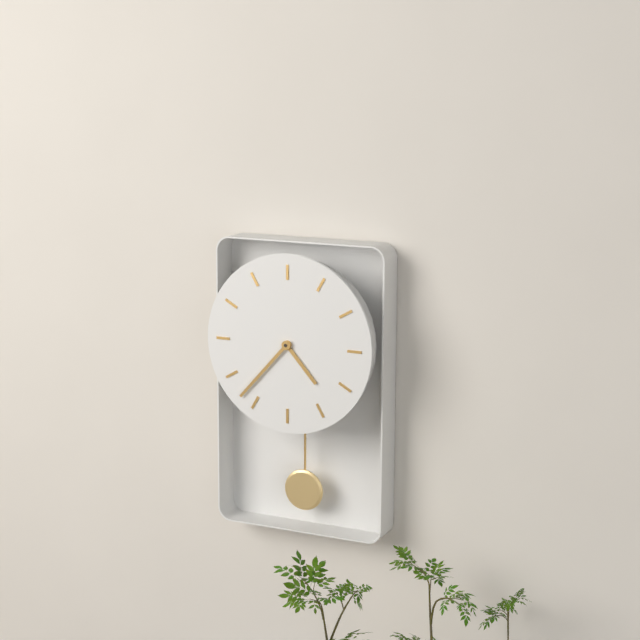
4:37
